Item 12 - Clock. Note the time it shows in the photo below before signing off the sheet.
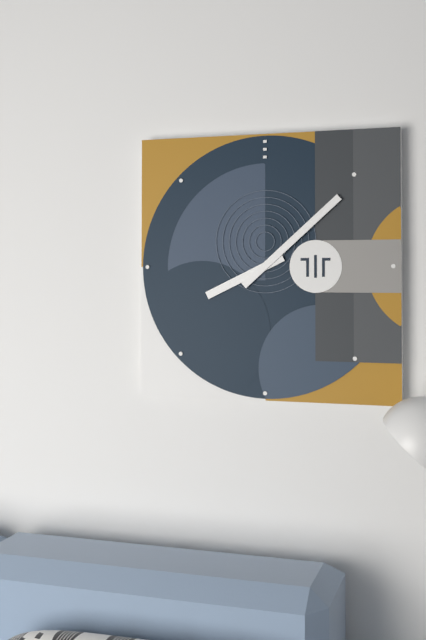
8:08
